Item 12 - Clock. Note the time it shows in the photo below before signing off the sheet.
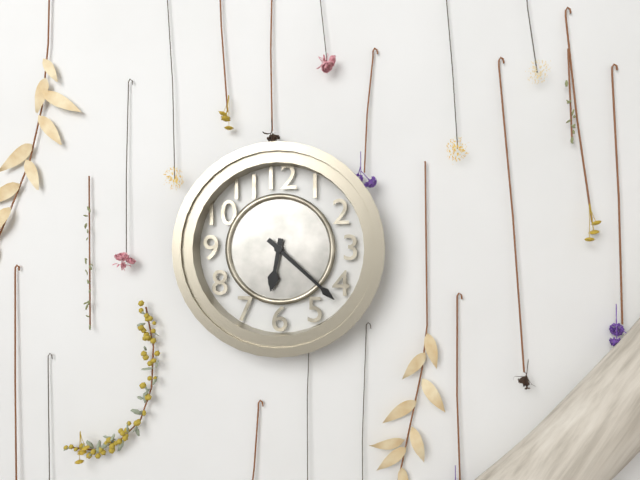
6:22
